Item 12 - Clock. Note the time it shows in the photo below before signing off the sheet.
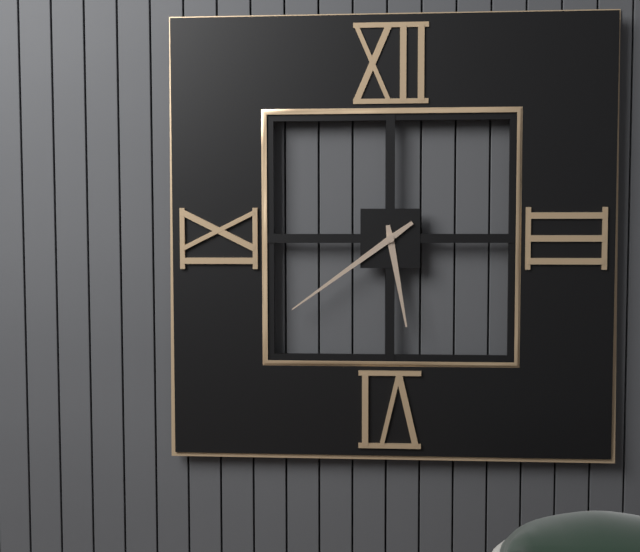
5:39
